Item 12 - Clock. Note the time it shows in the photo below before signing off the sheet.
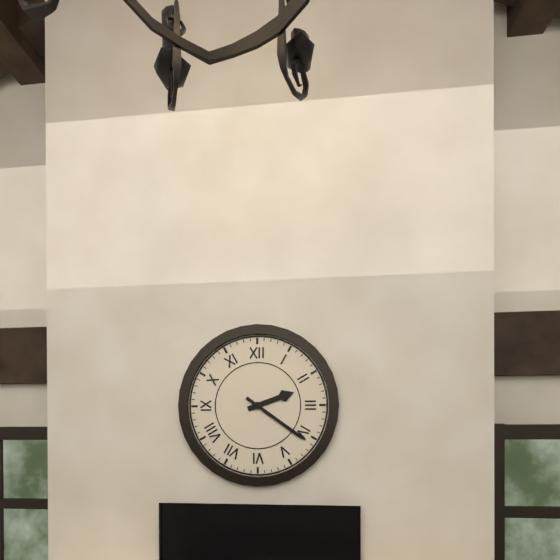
2:21
